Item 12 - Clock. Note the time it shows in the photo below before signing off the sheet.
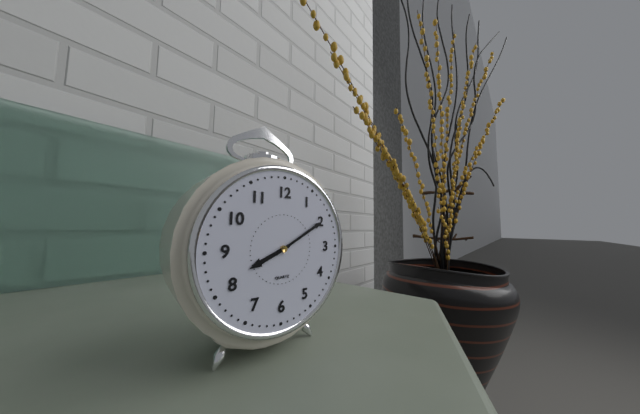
8:10
